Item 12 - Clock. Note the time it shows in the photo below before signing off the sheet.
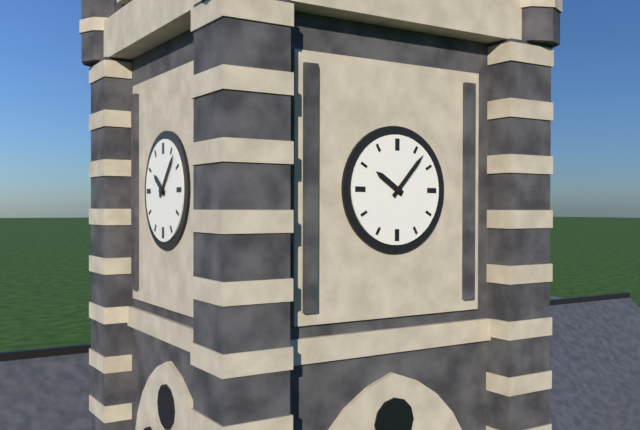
10:07
